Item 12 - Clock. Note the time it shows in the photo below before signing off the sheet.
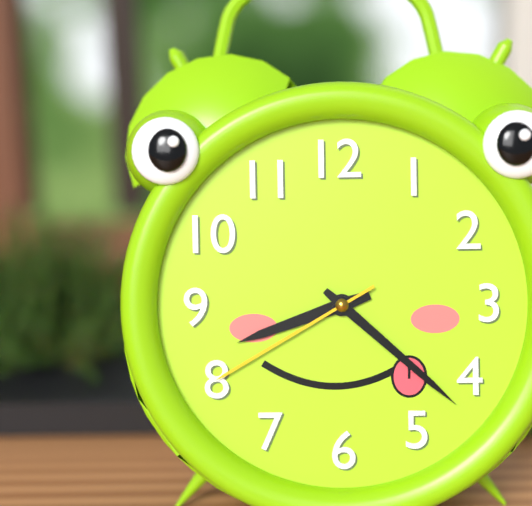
8:22:40
